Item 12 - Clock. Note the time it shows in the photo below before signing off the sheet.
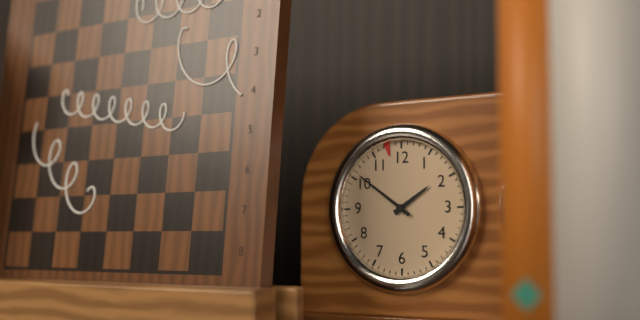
1:51
